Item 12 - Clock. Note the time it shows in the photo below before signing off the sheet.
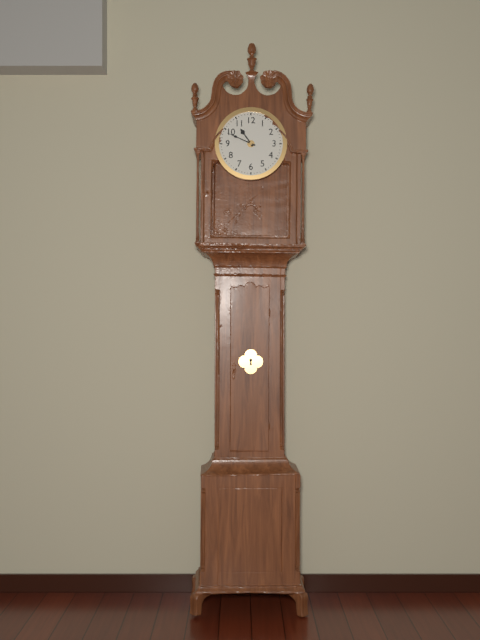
10:49
